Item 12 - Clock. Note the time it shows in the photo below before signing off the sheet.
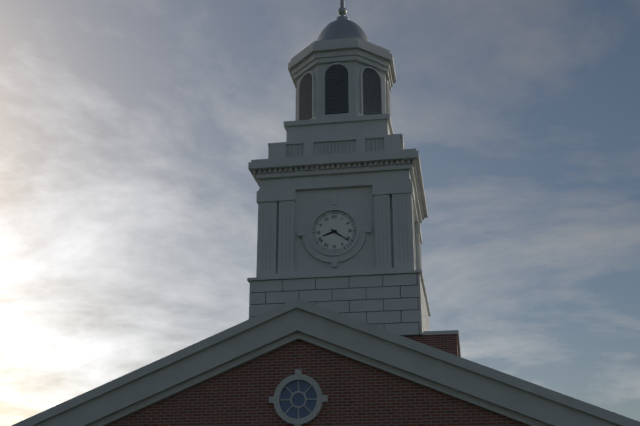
8:21
